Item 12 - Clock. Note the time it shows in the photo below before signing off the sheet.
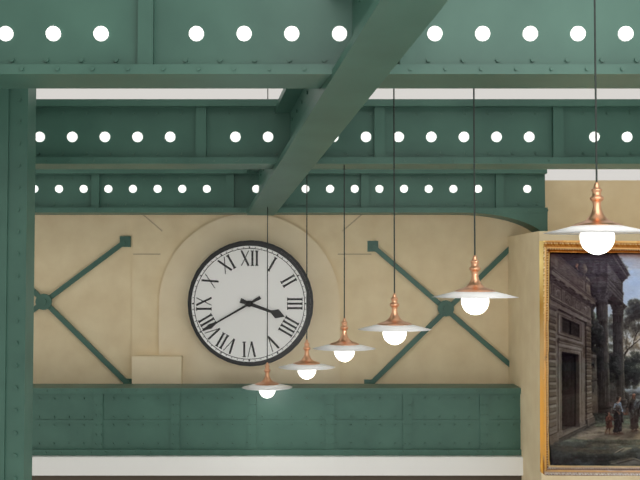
3:40
